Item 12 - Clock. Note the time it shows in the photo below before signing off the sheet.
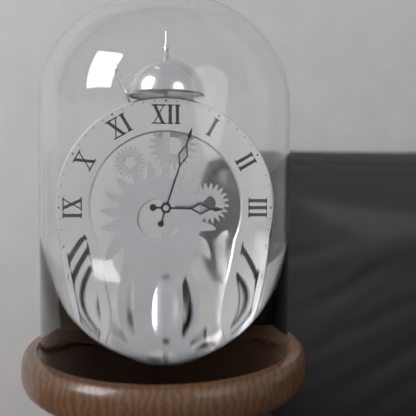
3:03
